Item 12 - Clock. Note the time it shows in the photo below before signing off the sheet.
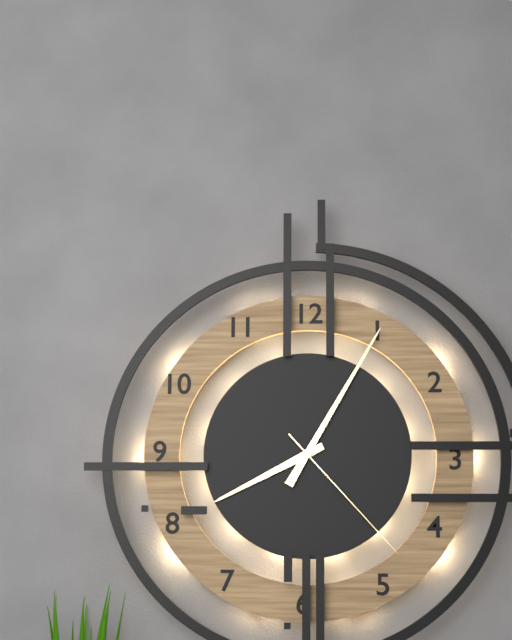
8:05:23
